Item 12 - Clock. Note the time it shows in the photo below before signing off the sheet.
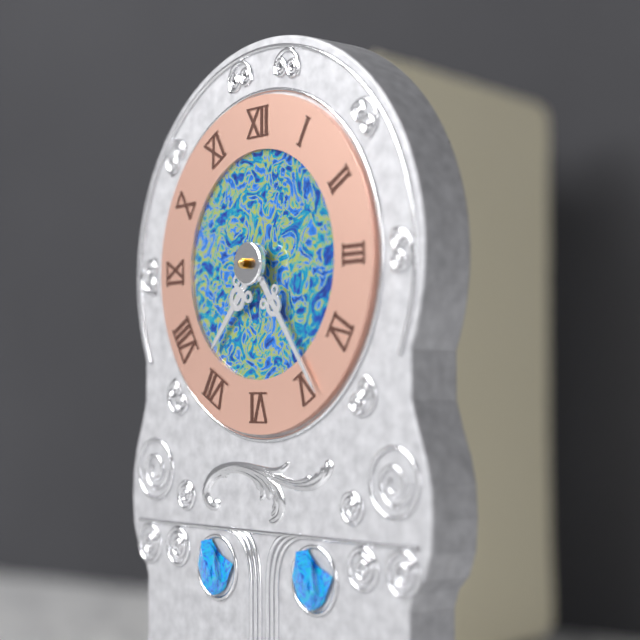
7:24
